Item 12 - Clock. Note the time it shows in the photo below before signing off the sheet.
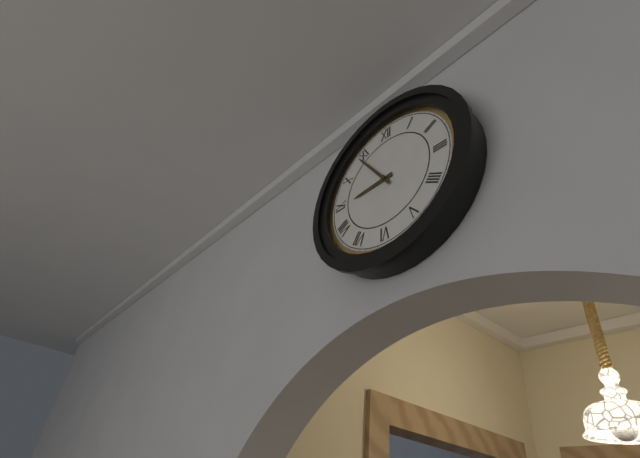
8:54
